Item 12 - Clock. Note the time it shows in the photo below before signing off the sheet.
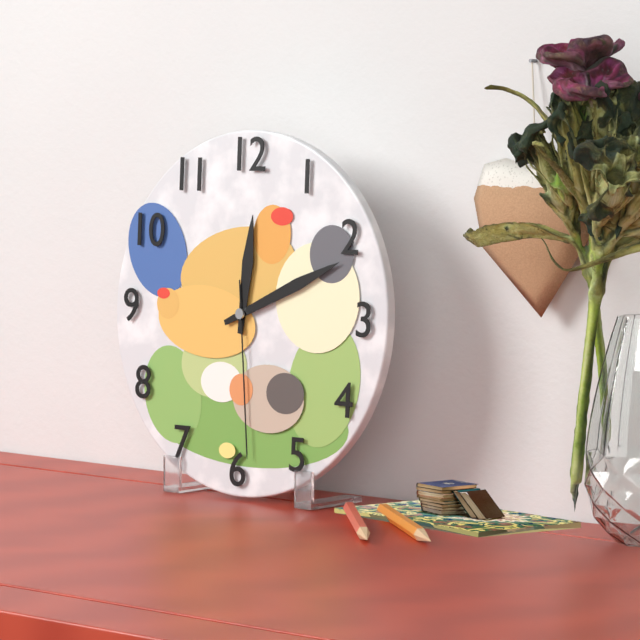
12:11:29
